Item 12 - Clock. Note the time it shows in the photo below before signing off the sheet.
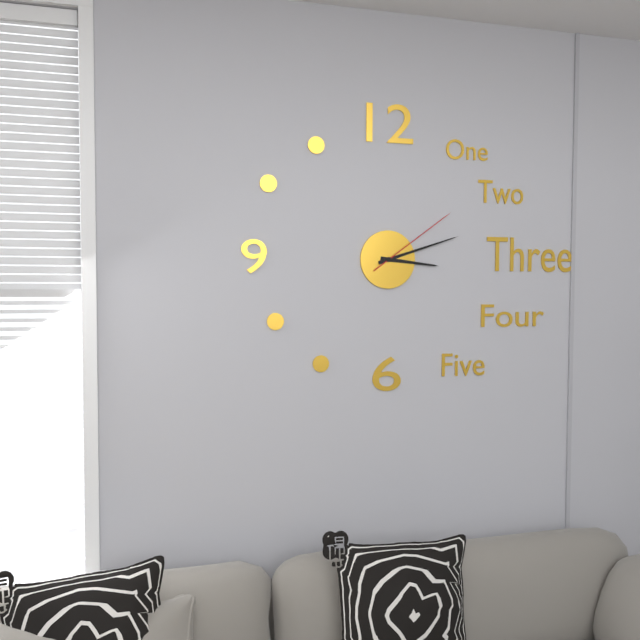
3:12:09
